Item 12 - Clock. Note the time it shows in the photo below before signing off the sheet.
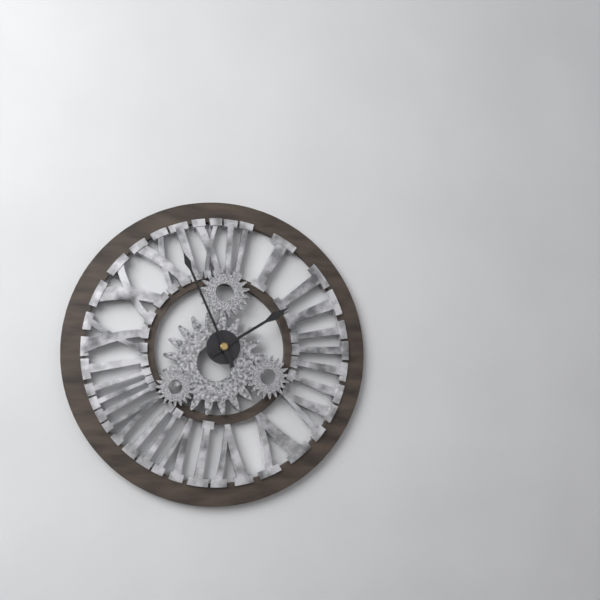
1:56
